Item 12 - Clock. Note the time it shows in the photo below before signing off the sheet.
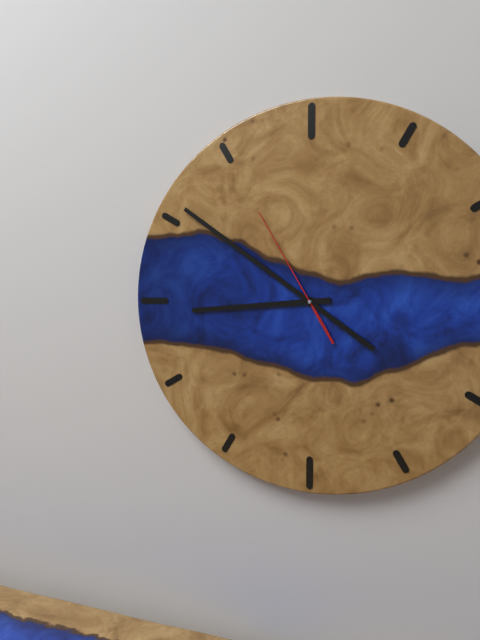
8:51:55
